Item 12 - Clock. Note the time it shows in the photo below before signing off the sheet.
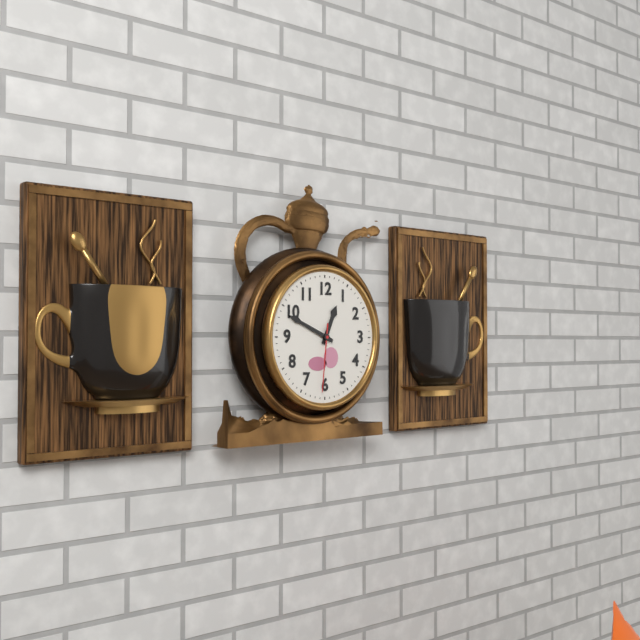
12:49:31
